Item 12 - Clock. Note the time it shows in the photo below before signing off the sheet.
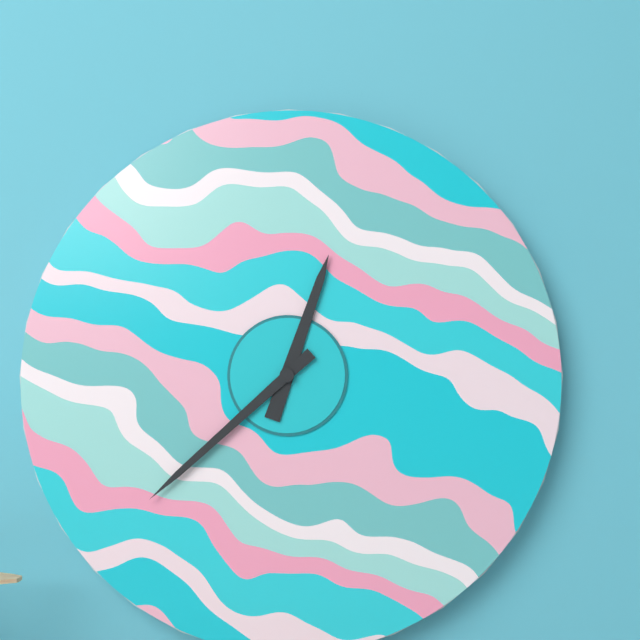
12:38
